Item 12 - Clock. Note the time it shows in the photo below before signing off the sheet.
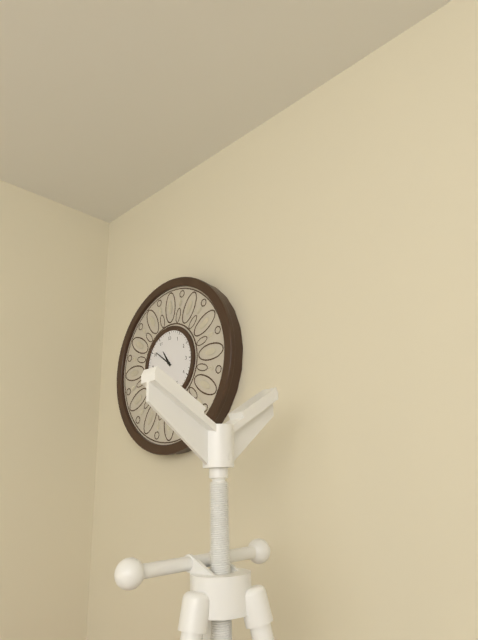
10:51
